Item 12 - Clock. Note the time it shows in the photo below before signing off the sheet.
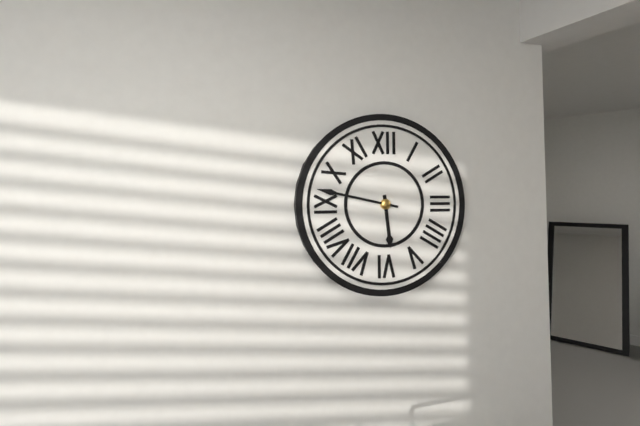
5:47
